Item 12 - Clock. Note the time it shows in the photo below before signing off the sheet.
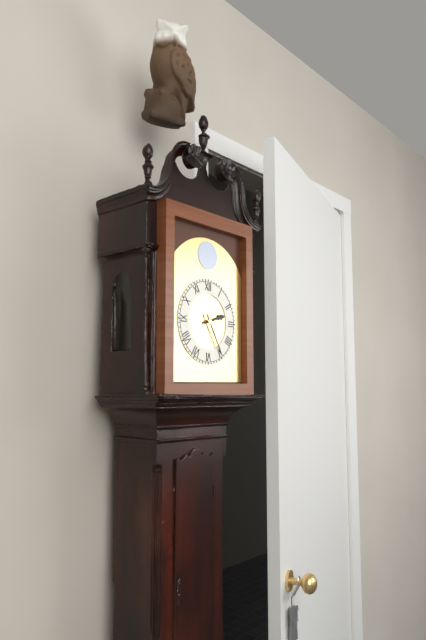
2:25
